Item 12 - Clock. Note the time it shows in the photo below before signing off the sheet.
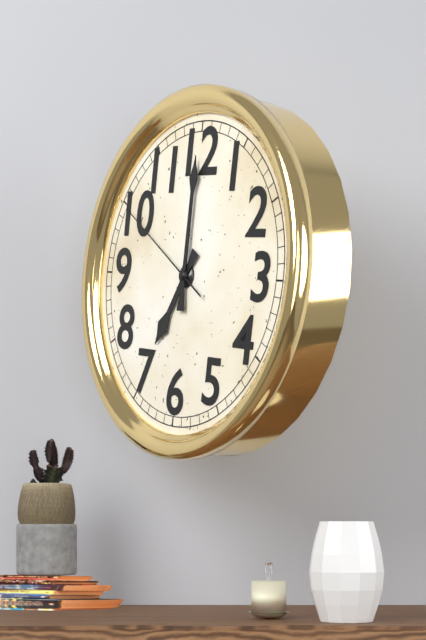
7:00:50
